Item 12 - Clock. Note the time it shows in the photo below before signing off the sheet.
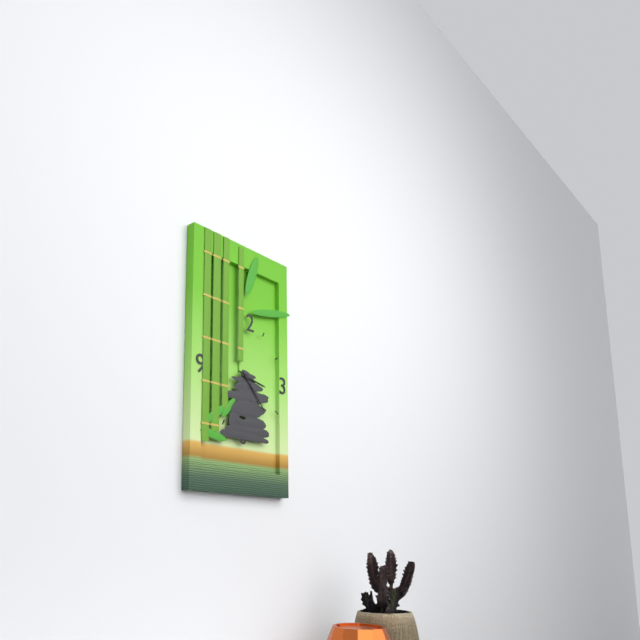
3:23
